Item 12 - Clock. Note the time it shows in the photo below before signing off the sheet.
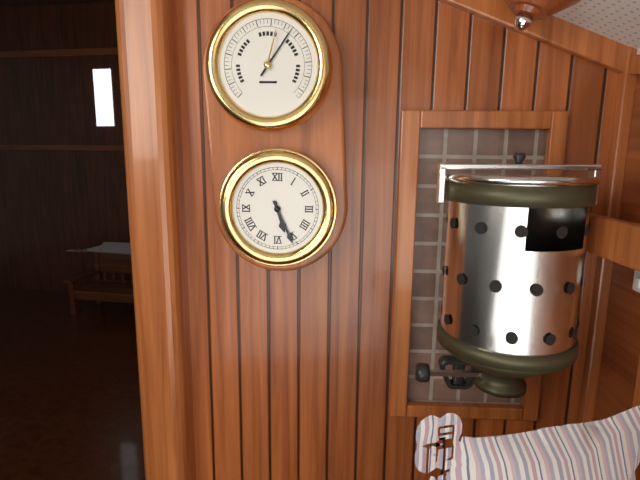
5:26
